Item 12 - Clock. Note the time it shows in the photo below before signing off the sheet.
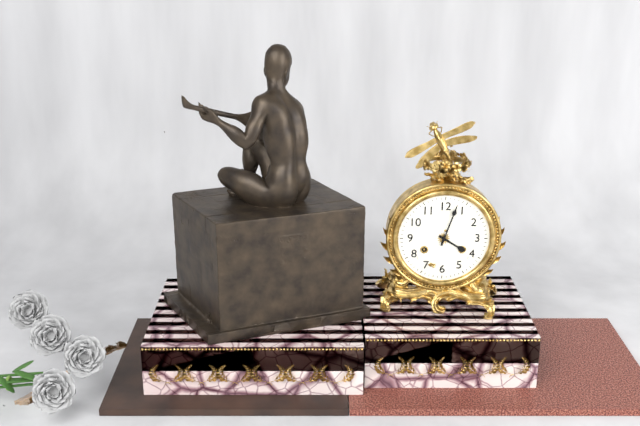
4:03
